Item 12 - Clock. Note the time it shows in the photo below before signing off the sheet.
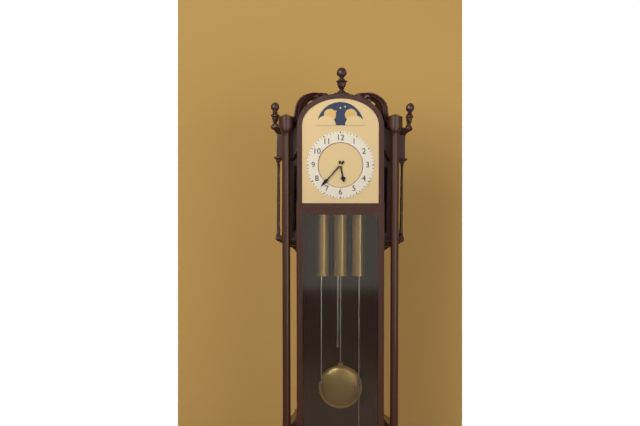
5:37
